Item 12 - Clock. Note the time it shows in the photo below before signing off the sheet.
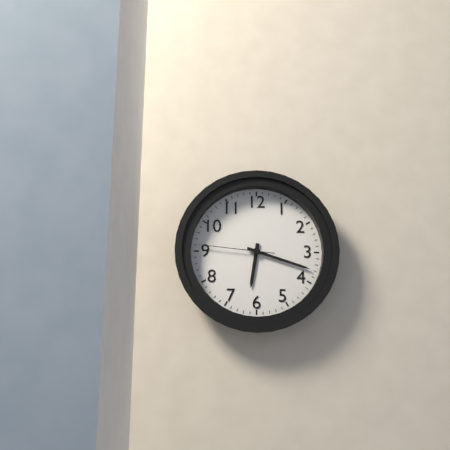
6:18:46
